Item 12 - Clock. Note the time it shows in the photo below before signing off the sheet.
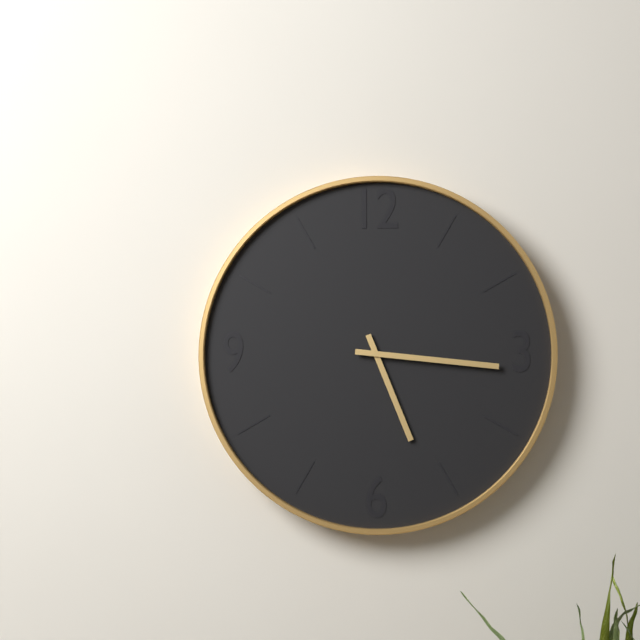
5:16
